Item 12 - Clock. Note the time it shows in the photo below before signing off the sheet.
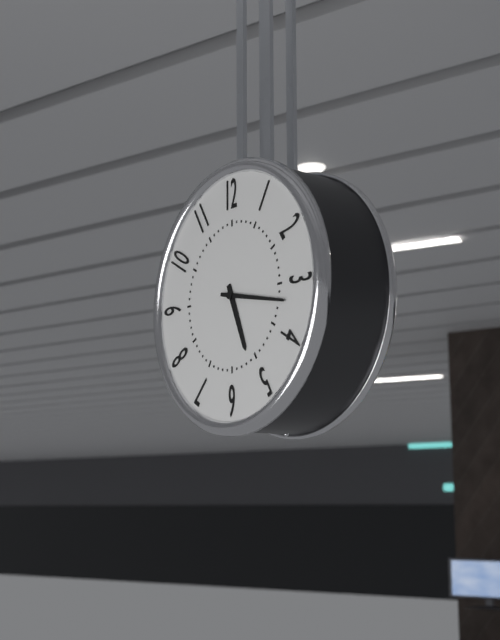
5:17
